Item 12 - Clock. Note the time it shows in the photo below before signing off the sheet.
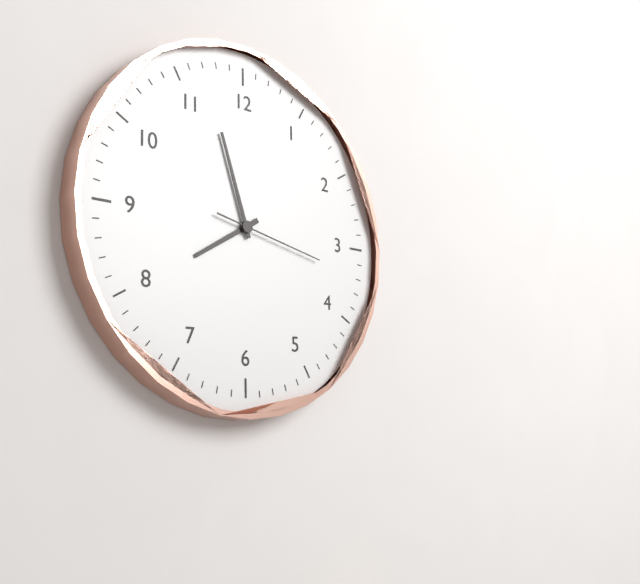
7:57:17
